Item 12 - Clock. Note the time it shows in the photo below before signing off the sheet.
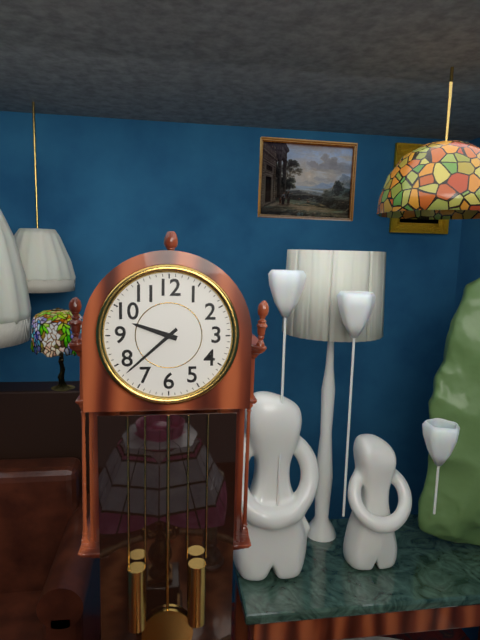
9:38
